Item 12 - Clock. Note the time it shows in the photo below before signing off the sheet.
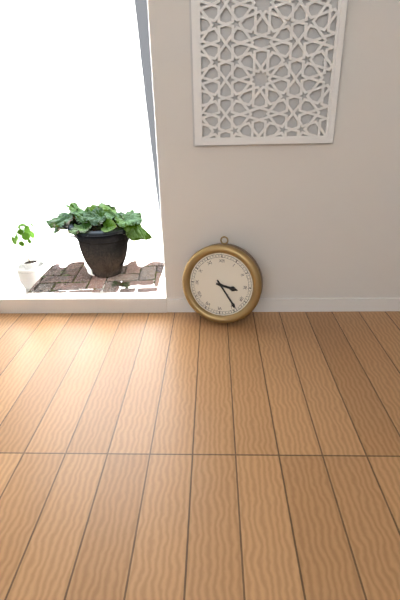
3:24
